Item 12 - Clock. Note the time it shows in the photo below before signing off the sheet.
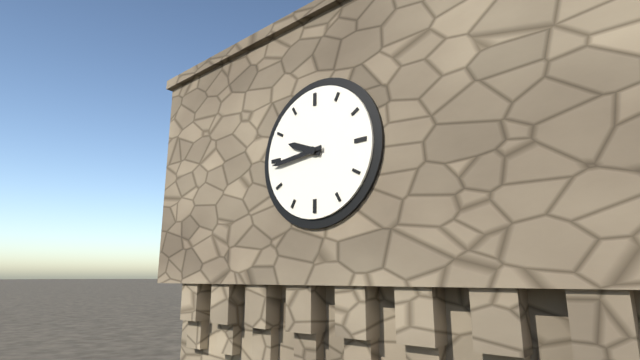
9:44
